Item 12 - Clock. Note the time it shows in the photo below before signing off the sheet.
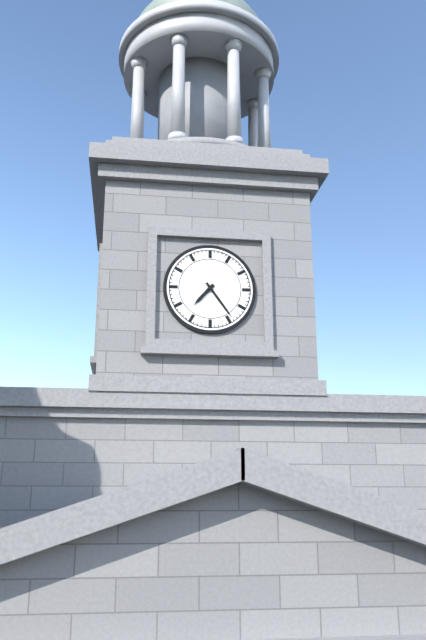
7:24
